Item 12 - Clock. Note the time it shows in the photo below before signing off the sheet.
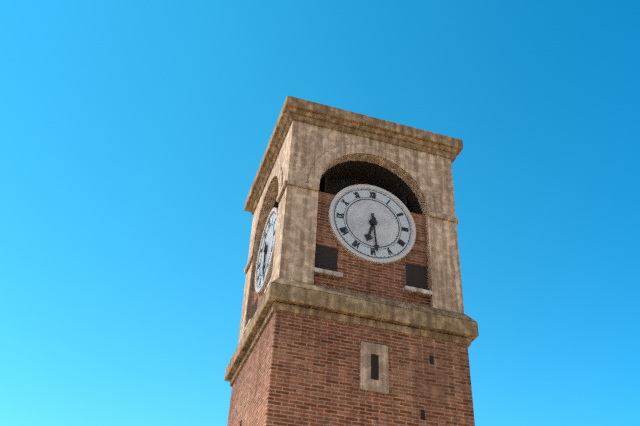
6:29
